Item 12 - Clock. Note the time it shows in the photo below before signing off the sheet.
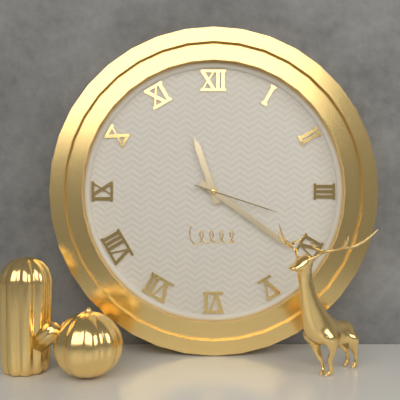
11:21:18
